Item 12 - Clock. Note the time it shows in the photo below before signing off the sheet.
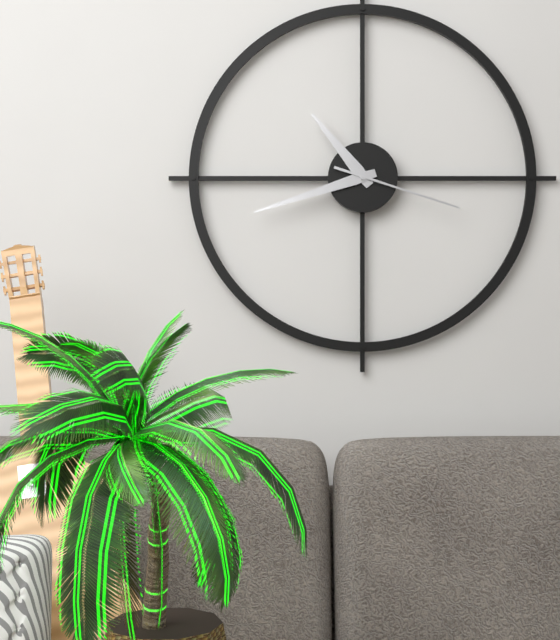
10:42:18
